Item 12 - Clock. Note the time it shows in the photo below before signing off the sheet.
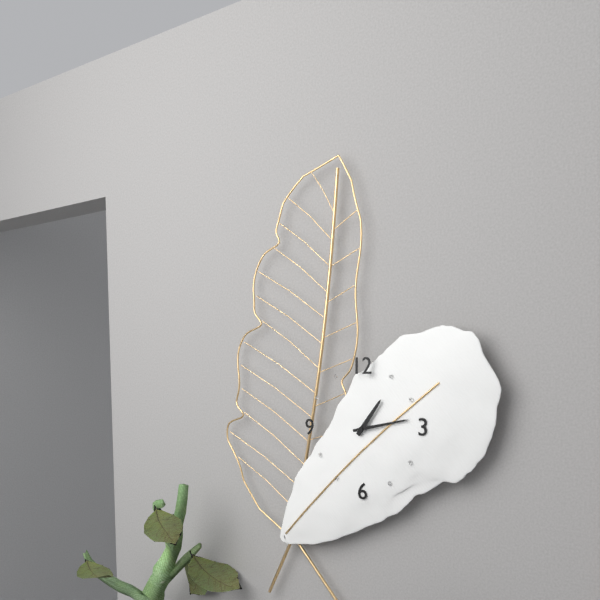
1:13
